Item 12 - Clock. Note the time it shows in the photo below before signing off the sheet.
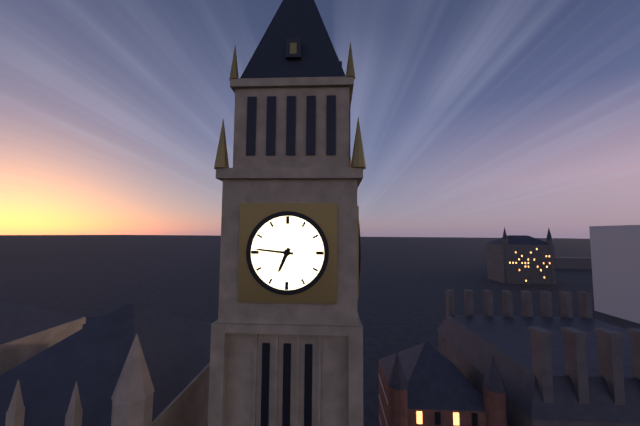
6:46
